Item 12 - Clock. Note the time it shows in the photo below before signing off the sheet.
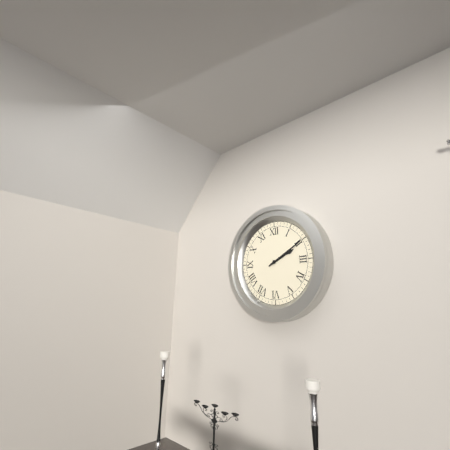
2:10
